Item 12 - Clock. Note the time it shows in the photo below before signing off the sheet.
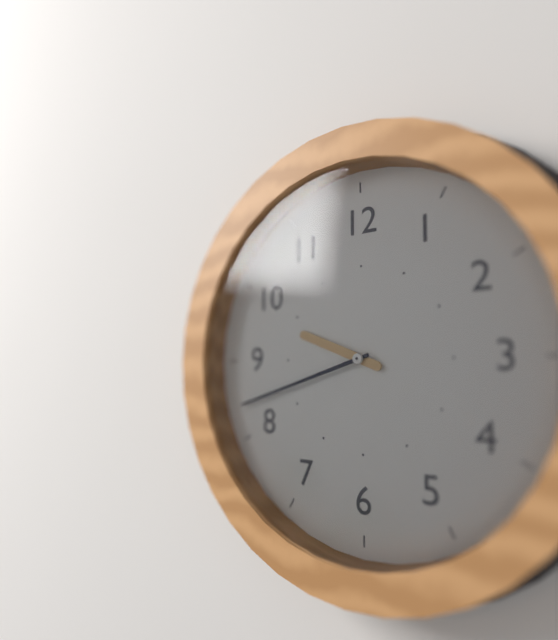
9:42
